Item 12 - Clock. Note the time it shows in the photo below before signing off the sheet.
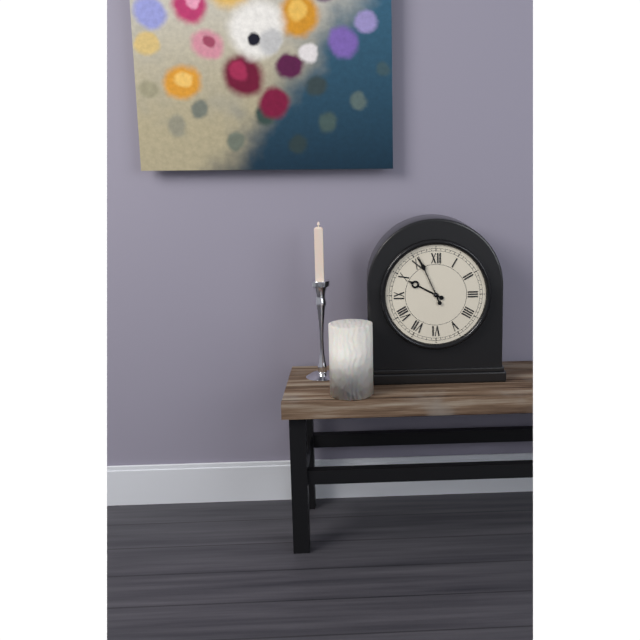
9:56
